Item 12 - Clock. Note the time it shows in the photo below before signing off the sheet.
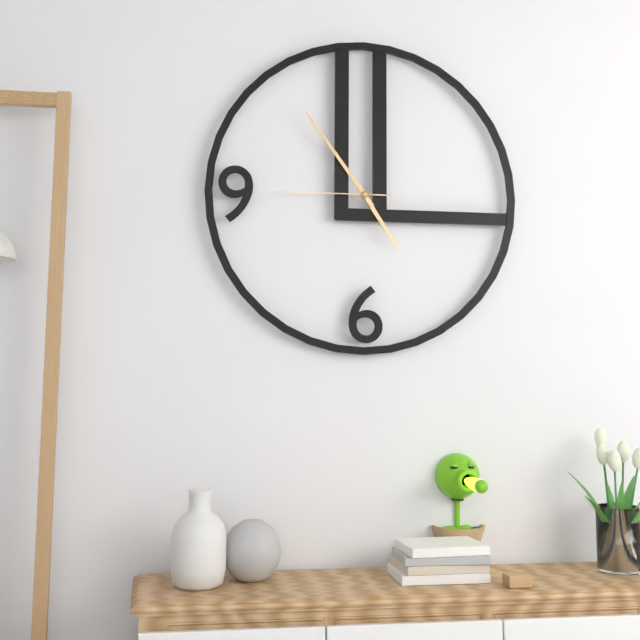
4:54:45
